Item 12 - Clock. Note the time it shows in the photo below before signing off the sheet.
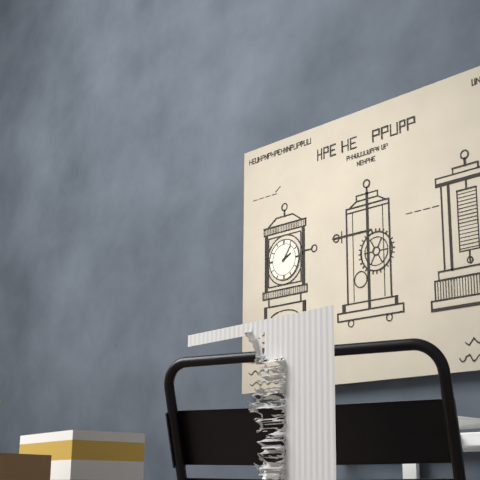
2:06
